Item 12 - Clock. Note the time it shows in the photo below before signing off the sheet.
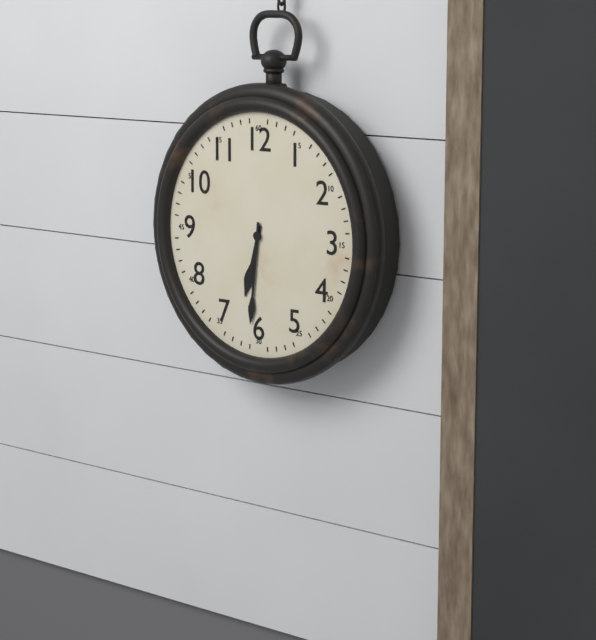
6:31
